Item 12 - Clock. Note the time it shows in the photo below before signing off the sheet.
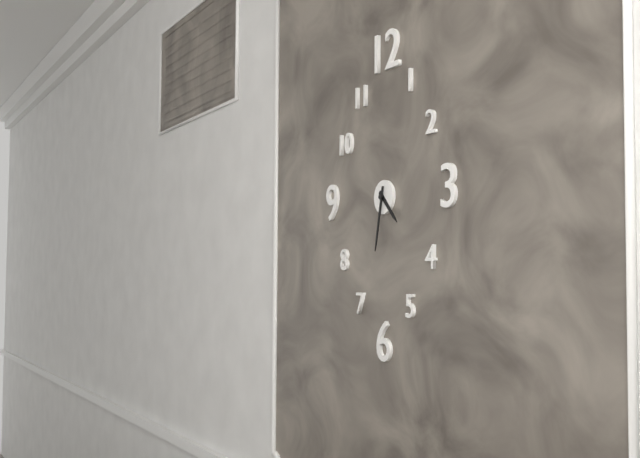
4:32
